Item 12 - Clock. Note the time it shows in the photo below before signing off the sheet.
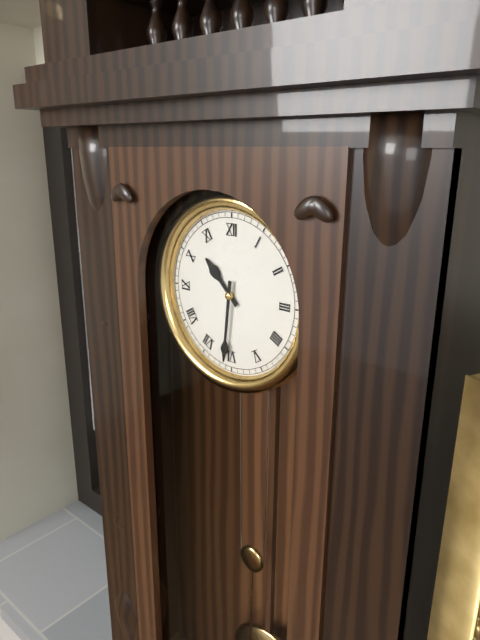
10:31
